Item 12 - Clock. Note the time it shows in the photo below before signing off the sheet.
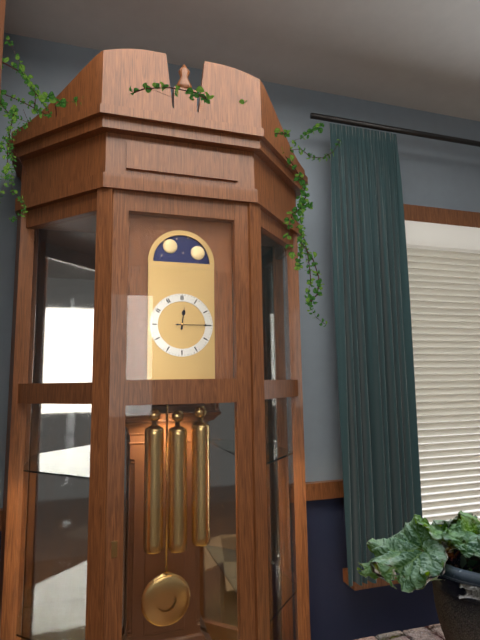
12:15
